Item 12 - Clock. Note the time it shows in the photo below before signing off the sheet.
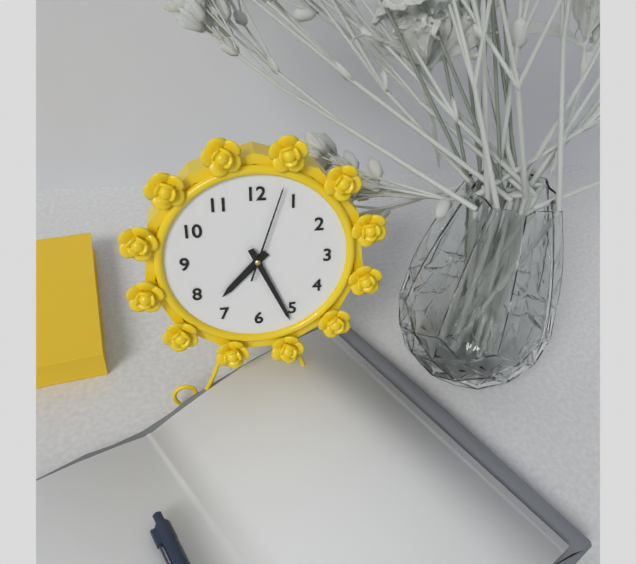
7:26:03
